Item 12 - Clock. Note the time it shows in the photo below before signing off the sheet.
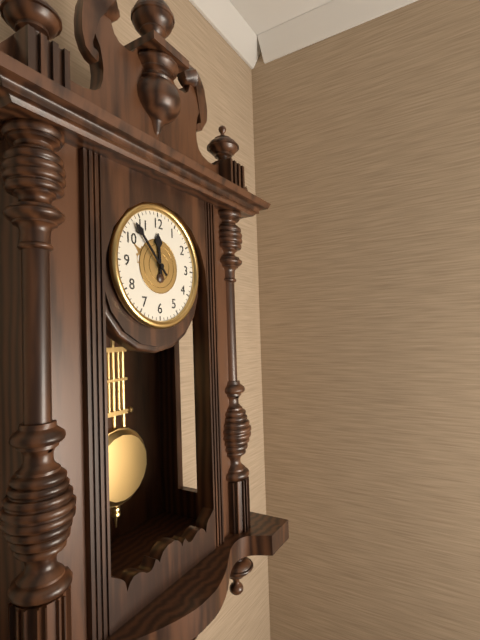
11:53
